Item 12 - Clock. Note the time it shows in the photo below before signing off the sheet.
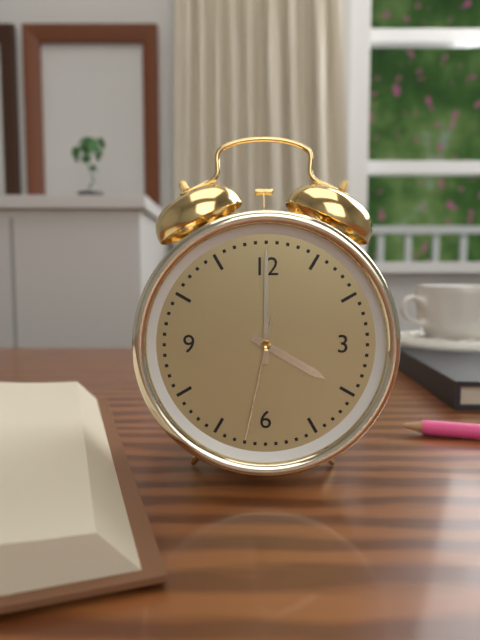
4:00:32
